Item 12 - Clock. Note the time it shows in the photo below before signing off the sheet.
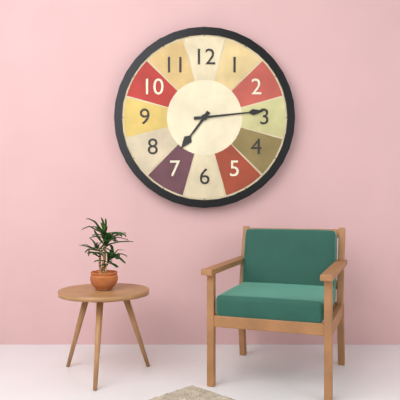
7:14
